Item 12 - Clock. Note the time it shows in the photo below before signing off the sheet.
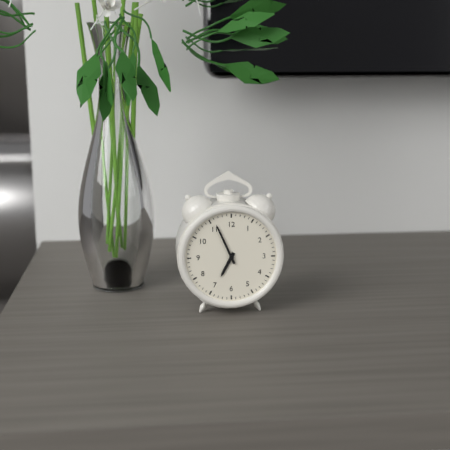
6:56
